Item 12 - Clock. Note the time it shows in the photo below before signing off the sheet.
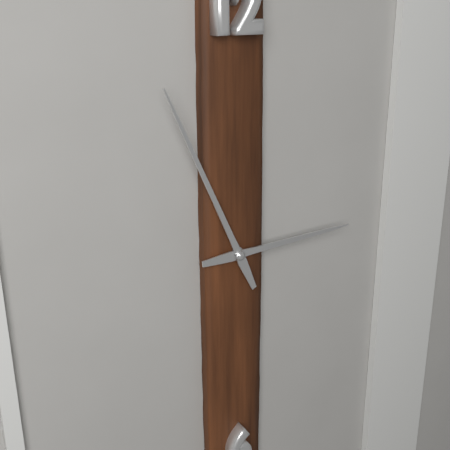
2:56
